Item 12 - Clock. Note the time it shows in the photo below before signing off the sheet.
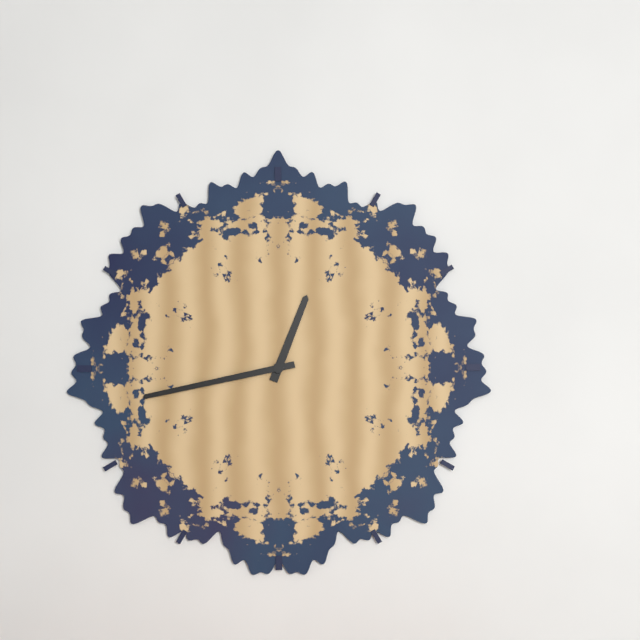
12:43
